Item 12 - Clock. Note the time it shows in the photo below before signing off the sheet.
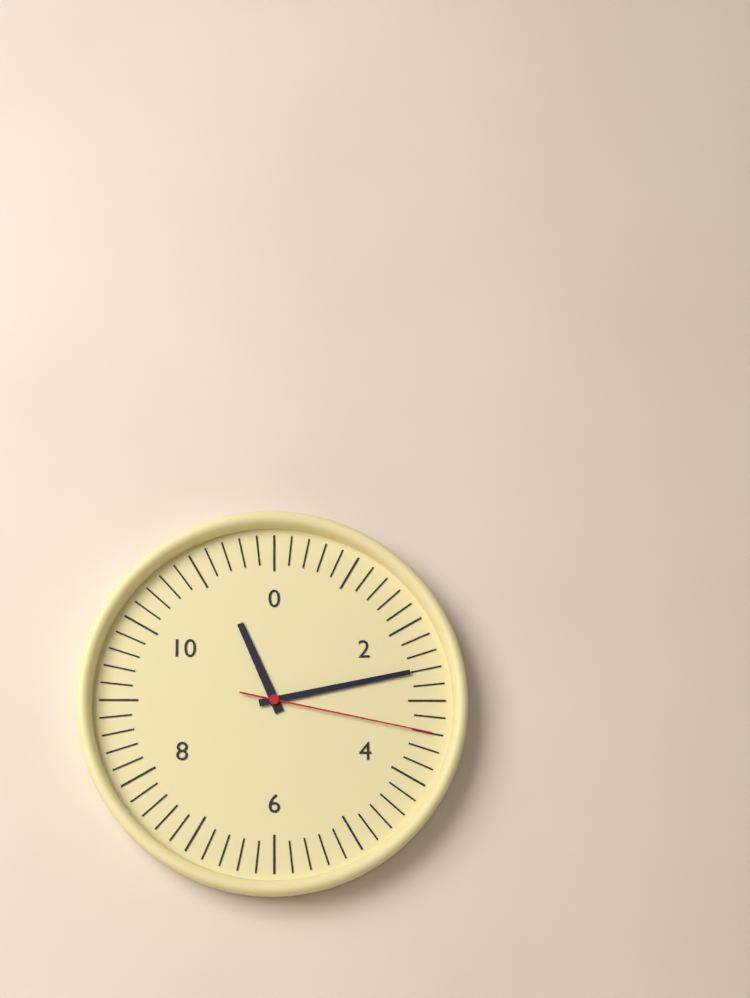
11:13:17
